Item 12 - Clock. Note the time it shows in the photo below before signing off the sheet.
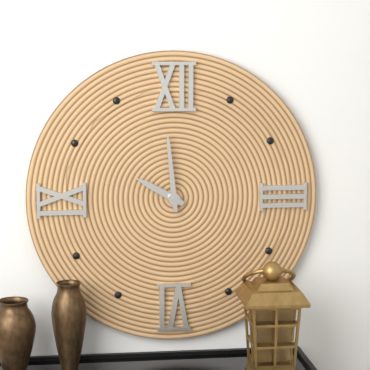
9:59
